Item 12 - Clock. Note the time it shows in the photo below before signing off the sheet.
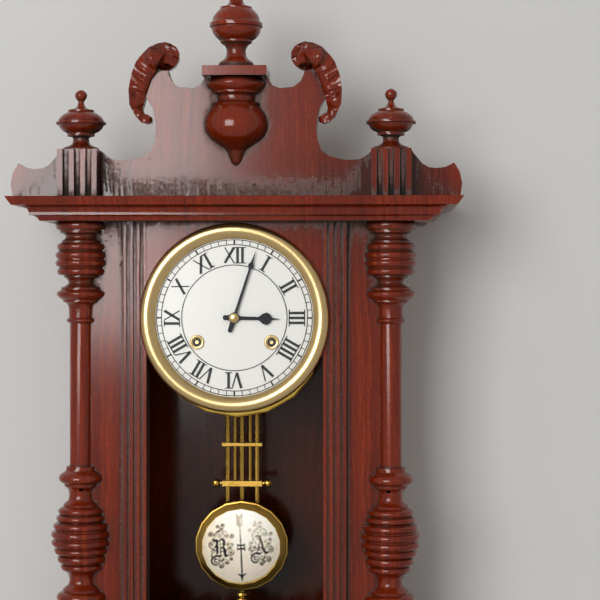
3:03
